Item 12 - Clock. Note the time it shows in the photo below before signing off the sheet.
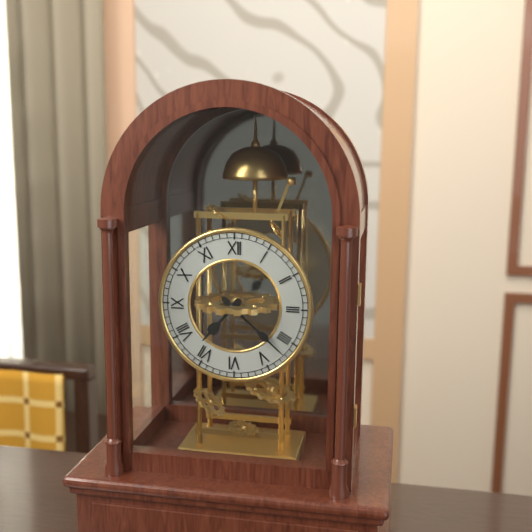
7:22
